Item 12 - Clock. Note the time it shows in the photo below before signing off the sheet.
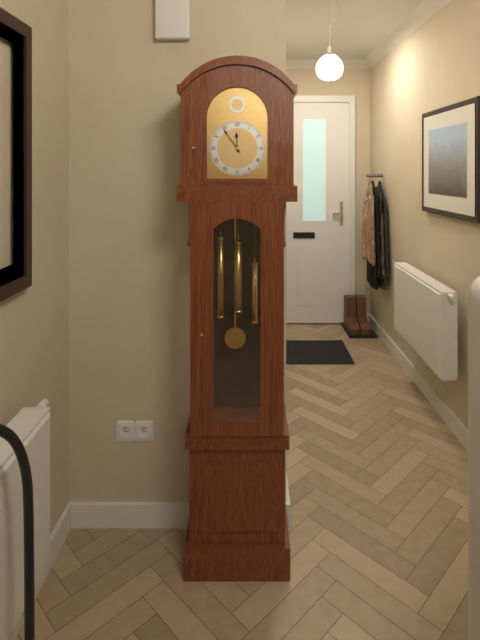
11:54
